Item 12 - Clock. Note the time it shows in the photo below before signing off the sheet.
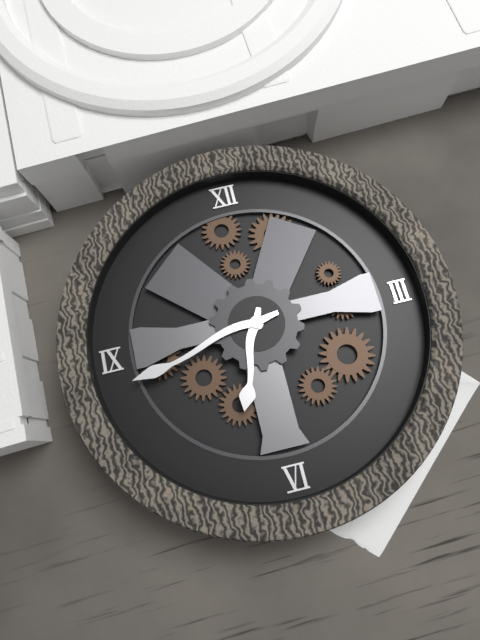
6:43
